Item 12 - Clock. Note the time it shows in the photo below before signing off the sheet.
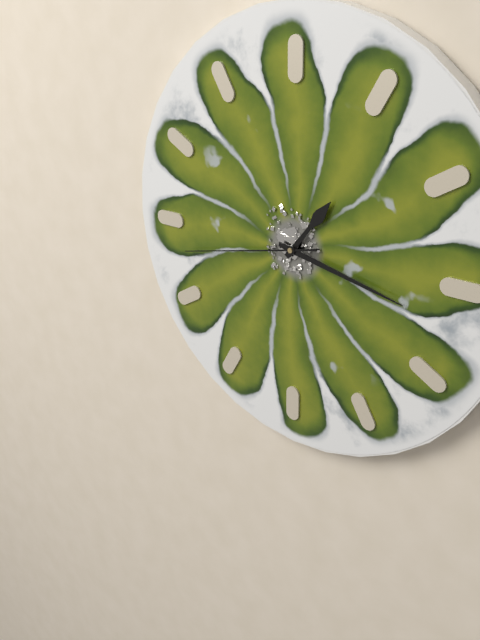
1:17:43
